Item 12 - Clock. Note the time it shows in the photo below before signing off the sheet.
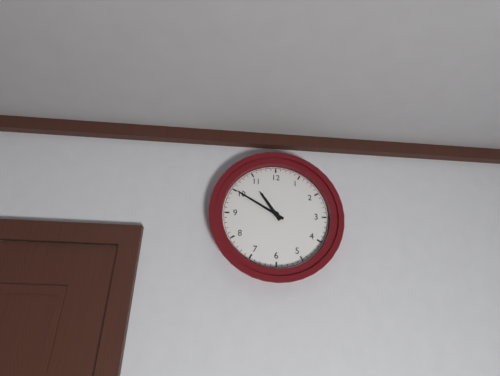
10:50
